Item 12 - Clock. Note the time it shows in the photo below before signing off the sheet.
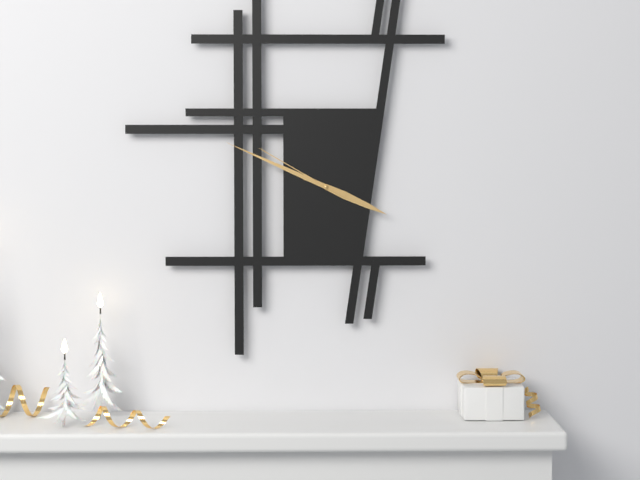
3:49:50
